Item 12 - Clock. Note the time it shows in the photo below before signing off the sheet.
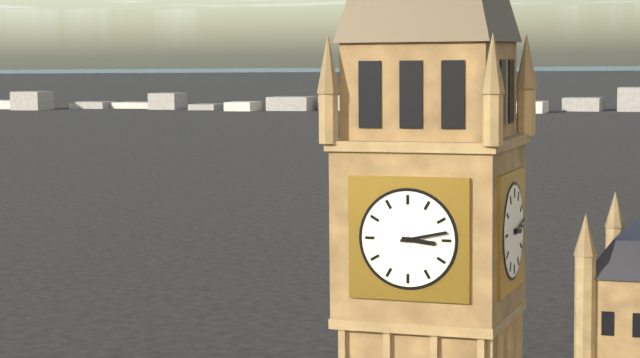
3:13
